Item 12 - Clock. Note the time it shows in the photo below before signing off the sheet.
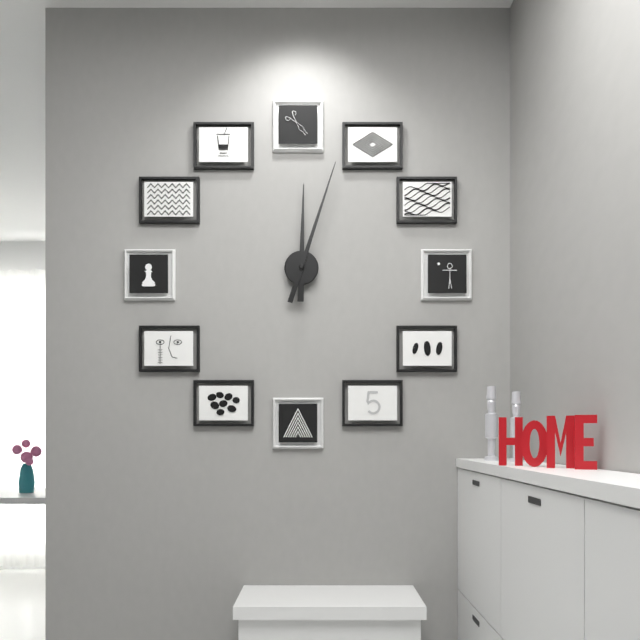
12:03
